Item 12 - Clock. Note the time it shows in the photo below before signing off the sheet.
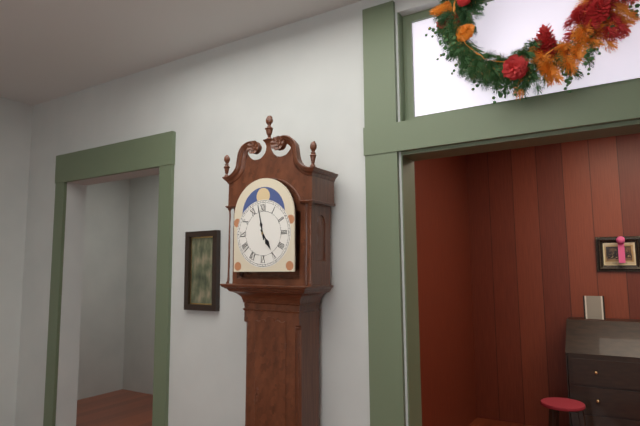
4:58
